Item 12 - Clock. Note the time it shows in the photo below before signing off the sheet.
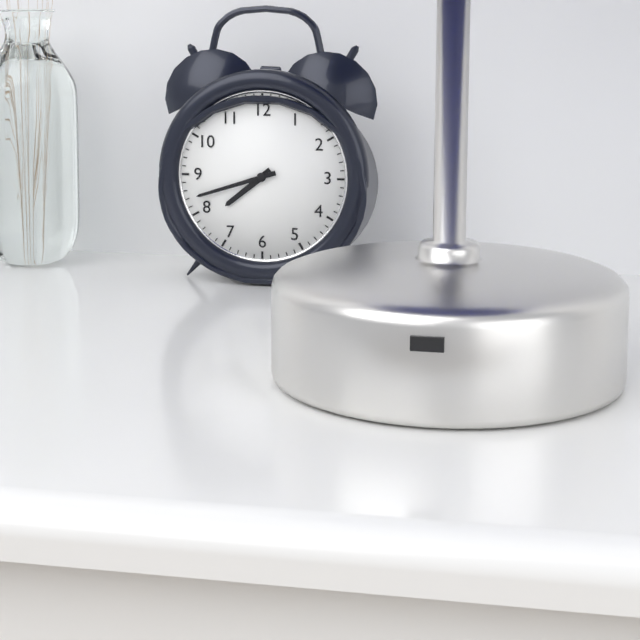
7:42
